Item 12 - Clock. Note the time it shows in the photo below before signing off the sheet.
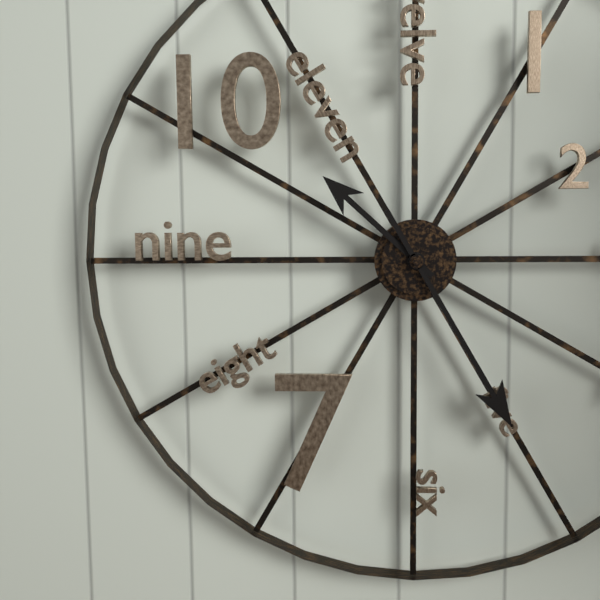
10:25
